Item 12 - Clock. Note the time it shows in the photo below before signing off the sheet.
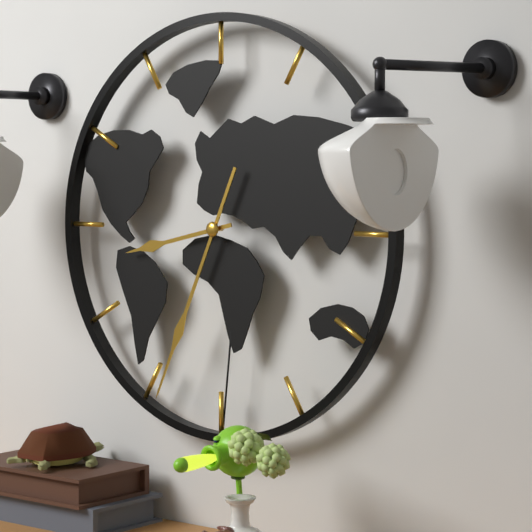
8:34
